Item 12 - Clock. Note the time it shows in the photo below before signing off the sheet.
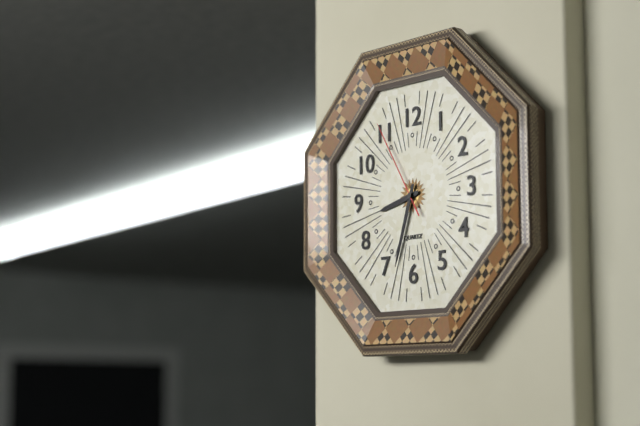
8:33:55
